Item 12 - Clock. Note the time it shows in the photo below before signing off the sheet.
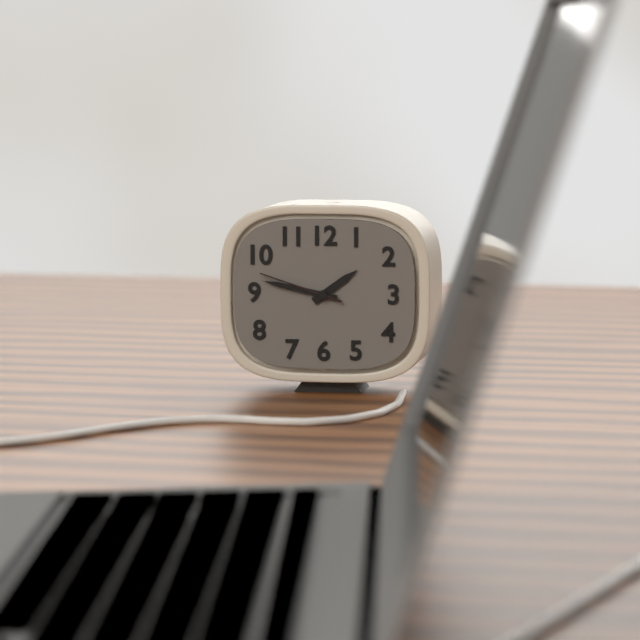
1:47:48
